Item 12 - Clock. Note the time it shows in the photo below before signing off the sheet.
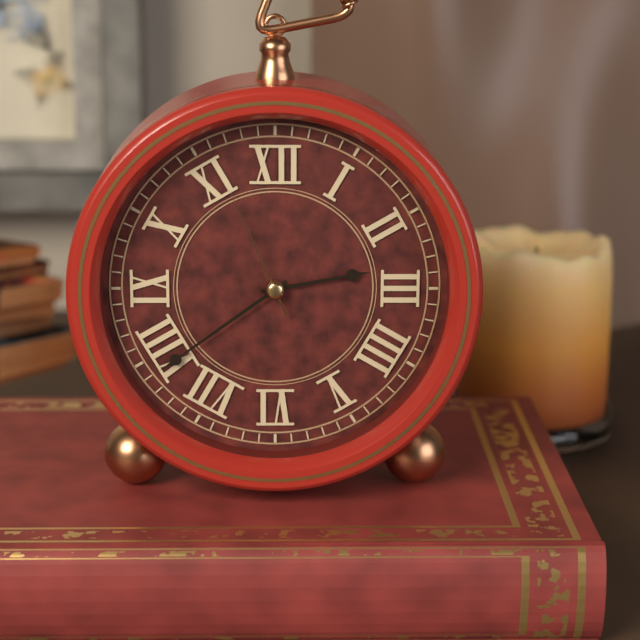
2:39:56
